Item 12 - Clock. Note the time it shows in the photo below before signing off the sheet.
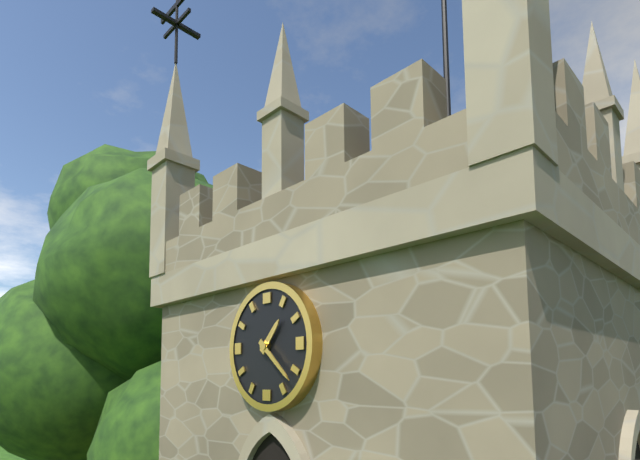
1:22
